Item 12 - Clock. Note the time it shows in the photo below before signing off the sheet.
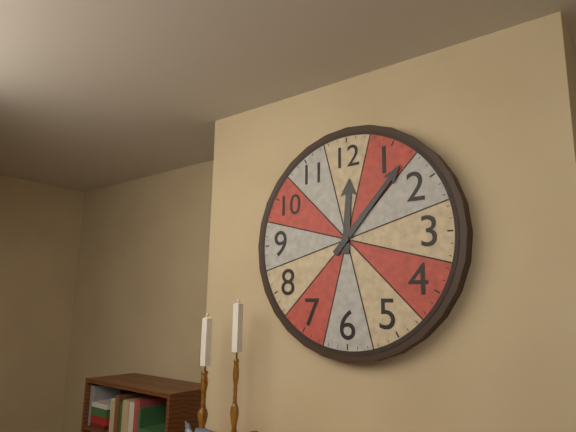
12:07
